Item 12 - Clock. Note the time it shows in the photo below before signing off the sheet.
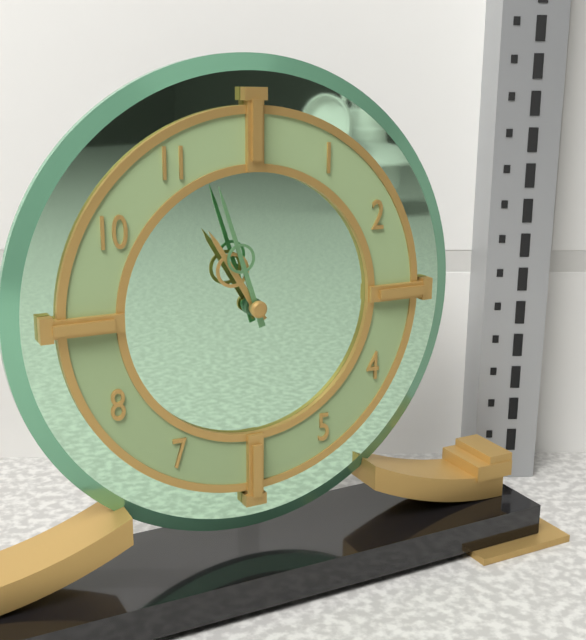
10:57
